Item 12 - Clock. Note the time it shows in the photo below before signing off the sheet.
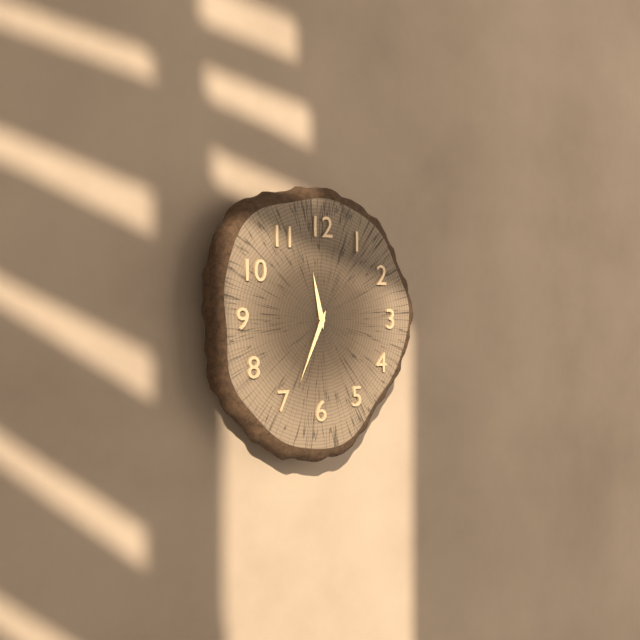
11:34
